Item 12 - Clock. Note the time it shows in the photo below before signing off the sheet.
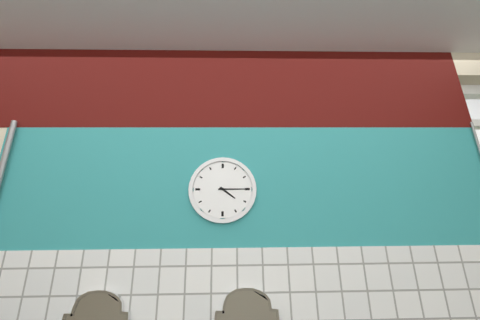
4:15
